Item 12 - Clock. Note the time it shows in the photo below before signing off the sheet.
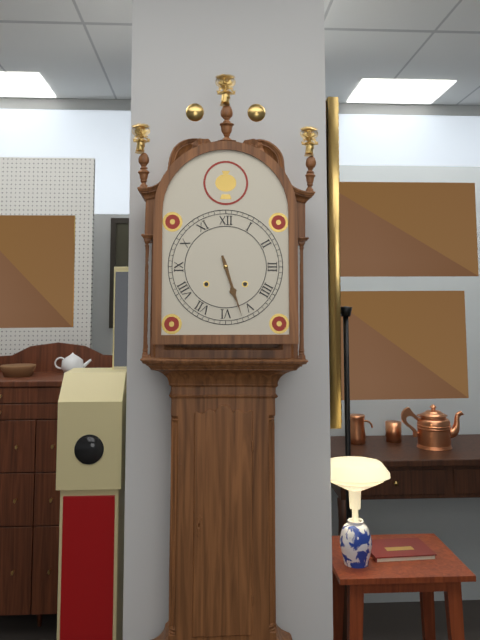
5:27
